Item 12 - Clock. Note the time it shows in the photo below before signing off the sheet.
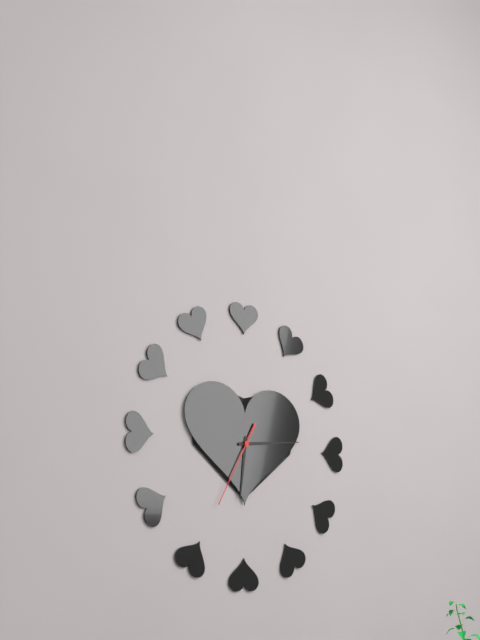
6:14:35
